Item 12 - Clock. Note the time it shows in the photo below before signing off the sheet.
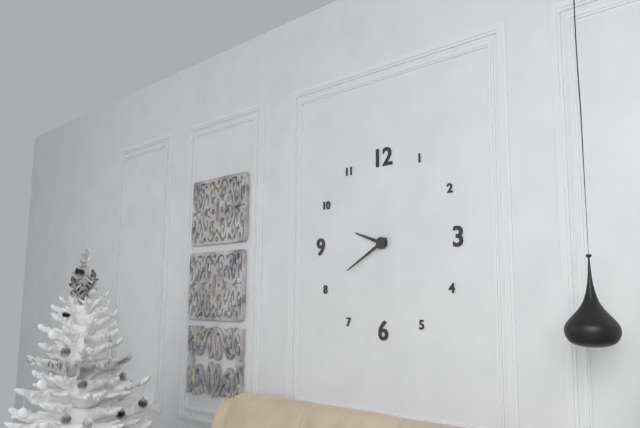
9:40
